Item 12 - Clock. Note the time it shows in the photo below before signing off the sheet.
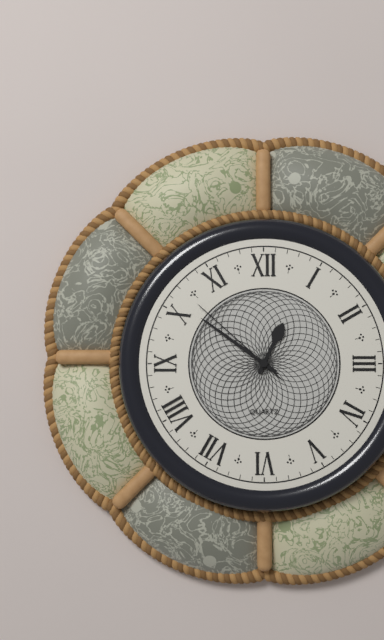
12:51:52
